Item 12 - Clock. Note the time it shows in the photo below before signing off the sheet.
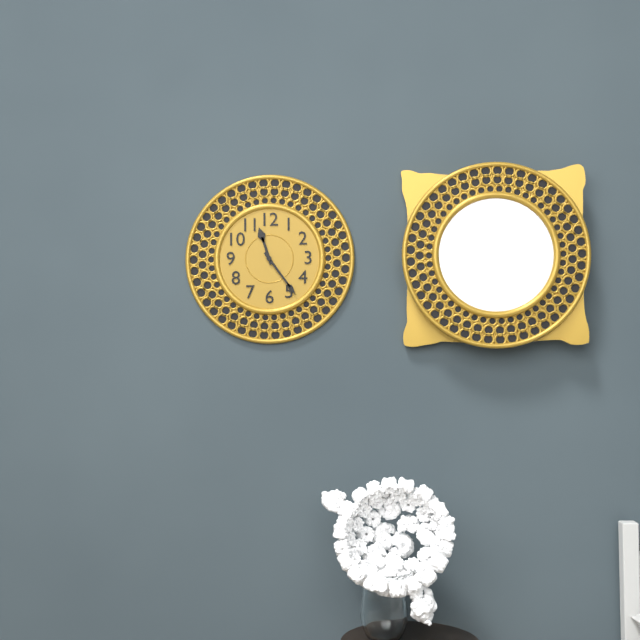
11:24
